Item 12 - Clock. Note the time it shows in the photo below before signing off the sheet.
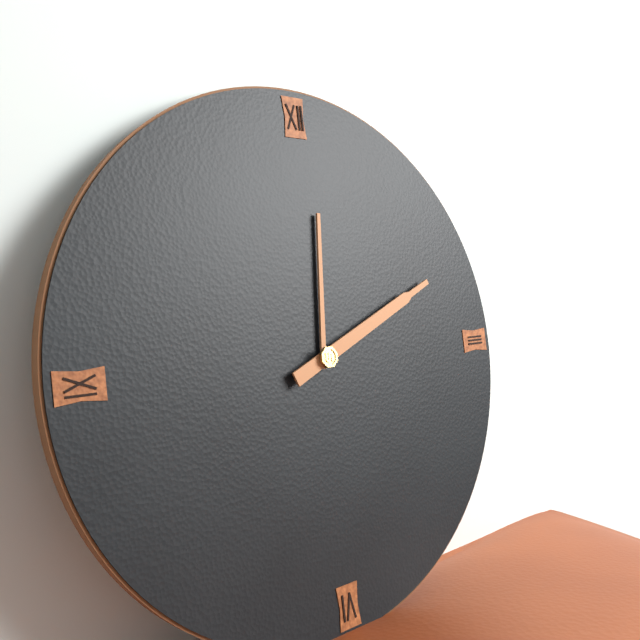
12:11
